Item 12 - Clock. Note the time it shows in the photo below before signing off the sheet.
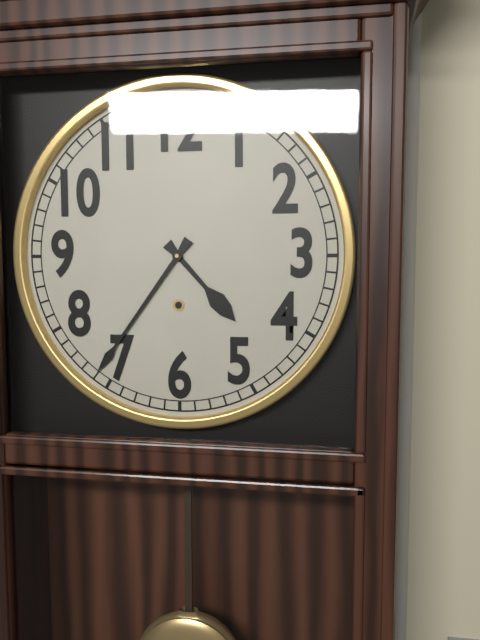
4:36
